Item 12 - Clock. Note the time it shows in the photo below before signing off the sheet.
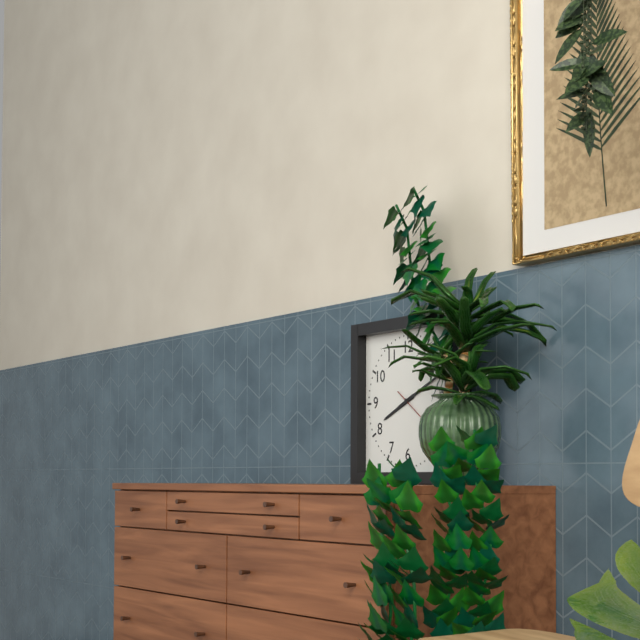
8:11
